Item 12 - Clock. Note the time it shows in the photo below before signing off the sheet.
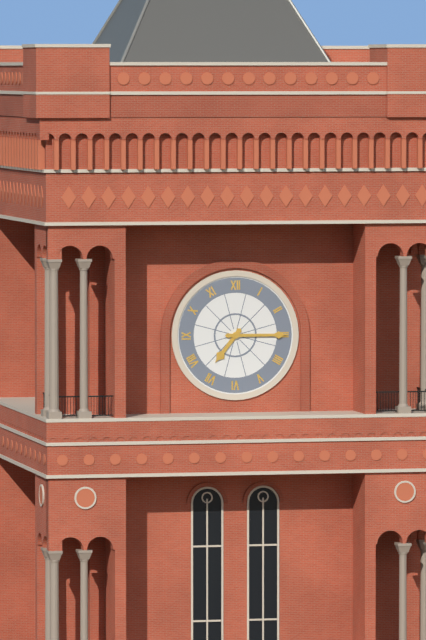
7:15
